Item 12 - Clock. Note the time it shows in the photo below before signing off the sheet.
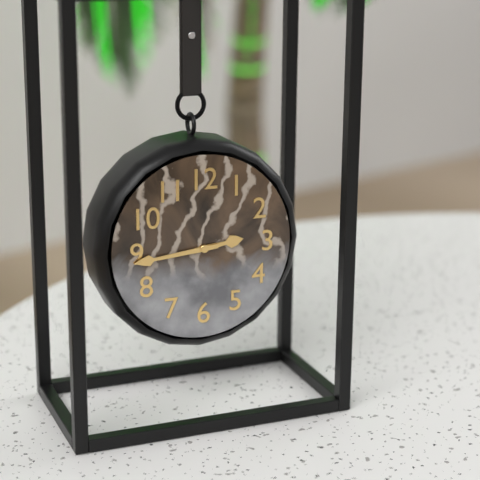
2:44
